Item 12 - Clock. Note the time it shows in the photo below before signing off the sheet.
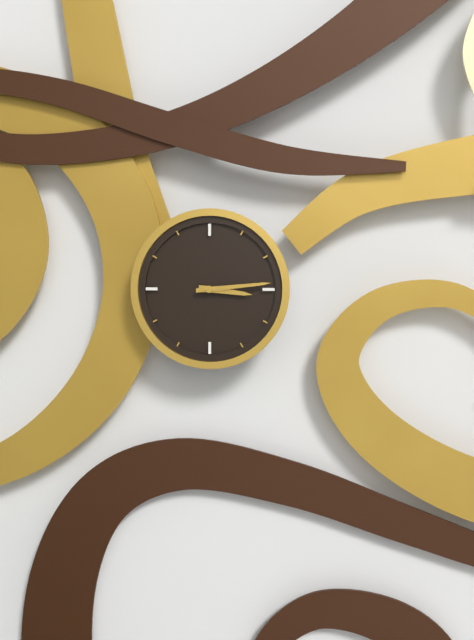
3:14
